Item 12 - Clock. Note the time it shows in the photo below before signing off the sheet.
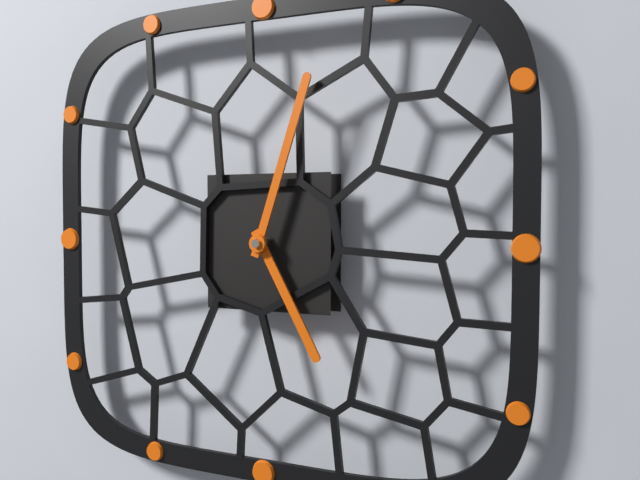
5:03
